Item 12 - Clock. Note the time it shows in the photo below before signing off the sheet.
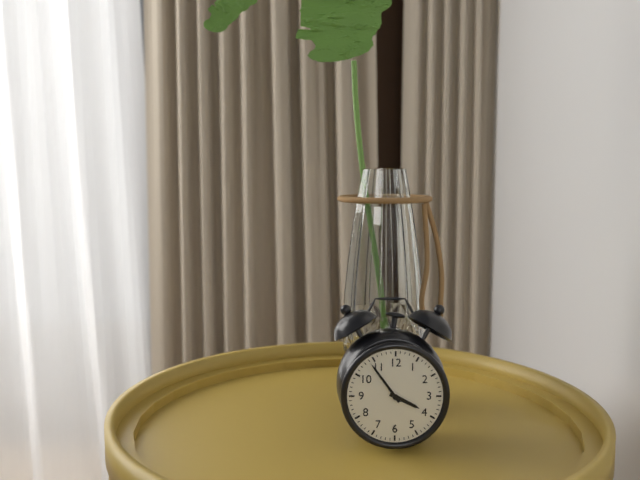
3:54
